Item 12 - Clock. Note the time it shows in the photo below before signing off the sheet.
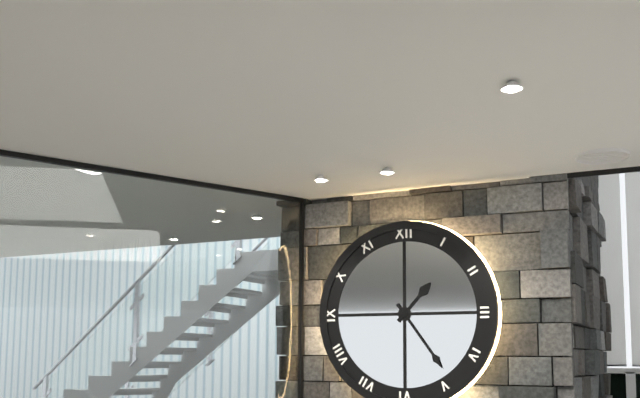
1:24
